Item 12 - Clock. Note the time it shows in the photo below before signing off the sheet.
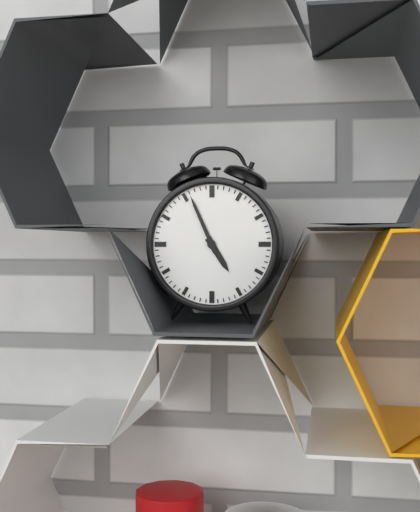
4:56
